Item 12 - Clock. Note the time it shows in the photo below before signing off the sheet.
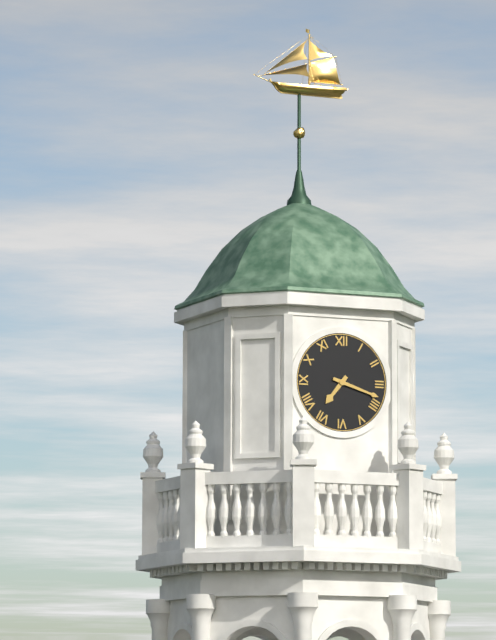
7:18
